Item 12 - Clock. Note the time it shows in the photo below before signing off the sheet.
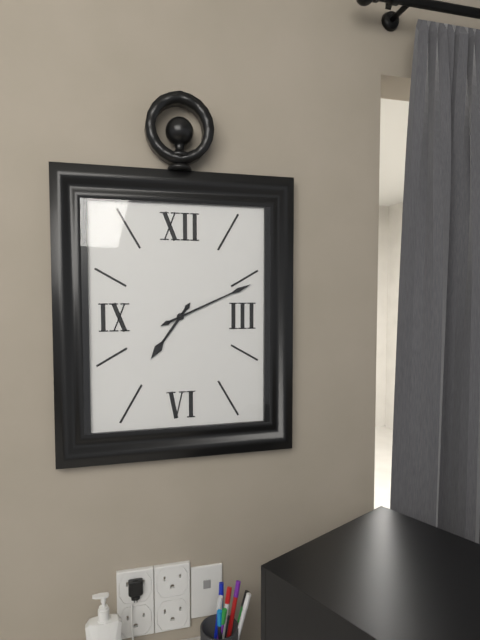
7:11
